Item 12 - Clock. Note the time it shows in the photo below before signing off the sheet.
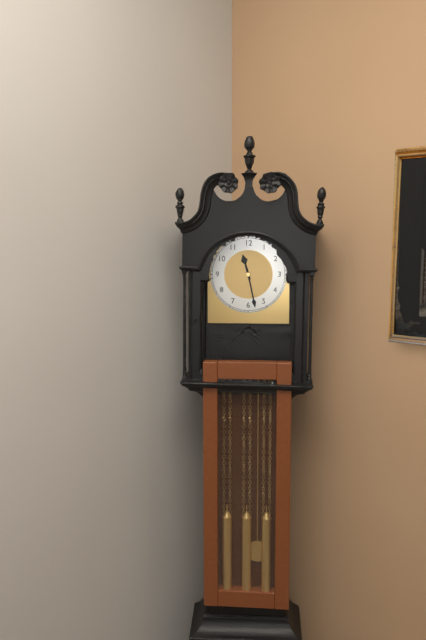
11:28
